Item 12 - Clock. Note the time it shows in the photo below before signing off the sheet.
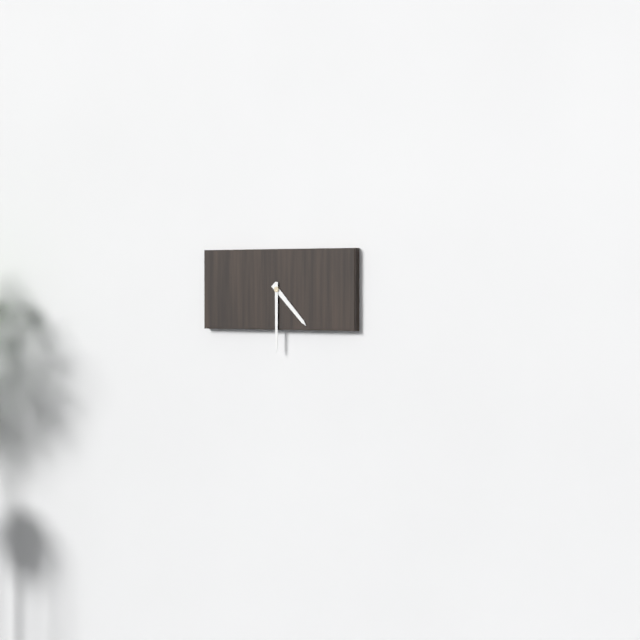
4:30
